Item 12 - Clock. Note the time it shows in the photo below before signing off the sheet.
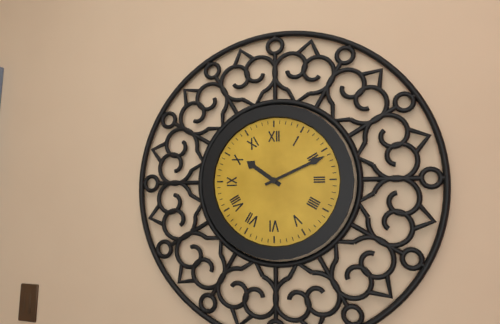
10:11
